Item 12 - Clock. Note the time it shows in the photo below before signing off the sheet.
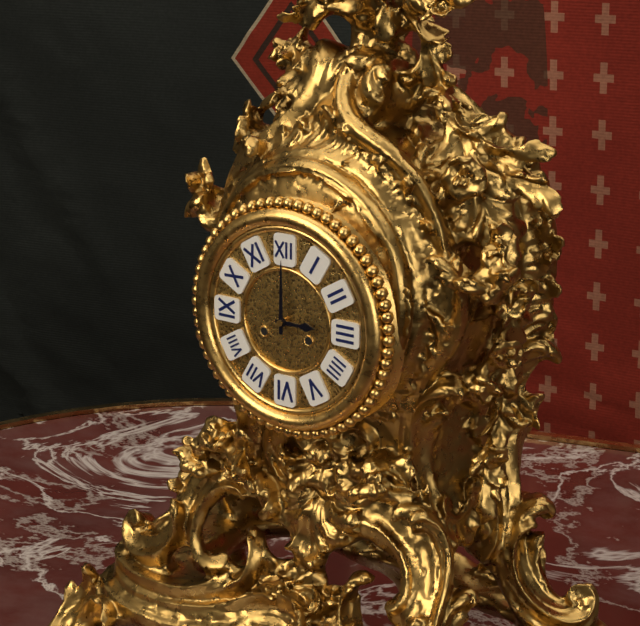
3:00
